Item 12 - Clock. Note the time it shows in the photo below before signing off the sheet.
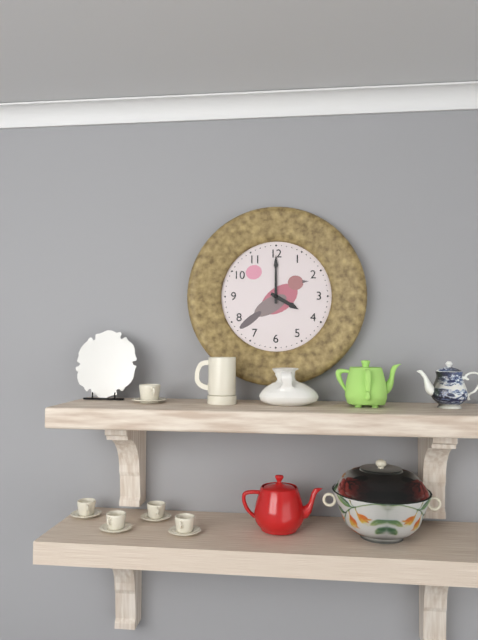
4:00
